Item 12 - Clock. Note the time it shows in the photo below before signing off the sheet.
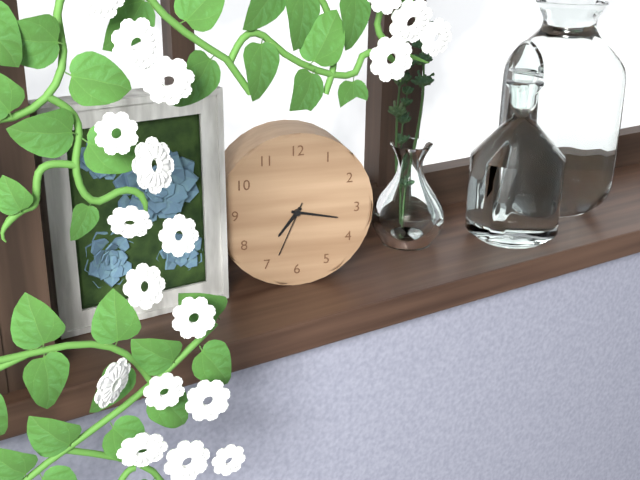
7:17:34
